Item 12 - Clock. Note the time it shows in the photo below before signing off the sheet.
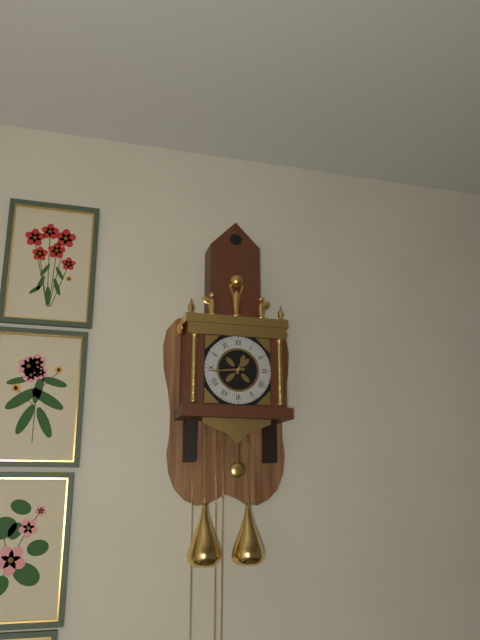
12:44
